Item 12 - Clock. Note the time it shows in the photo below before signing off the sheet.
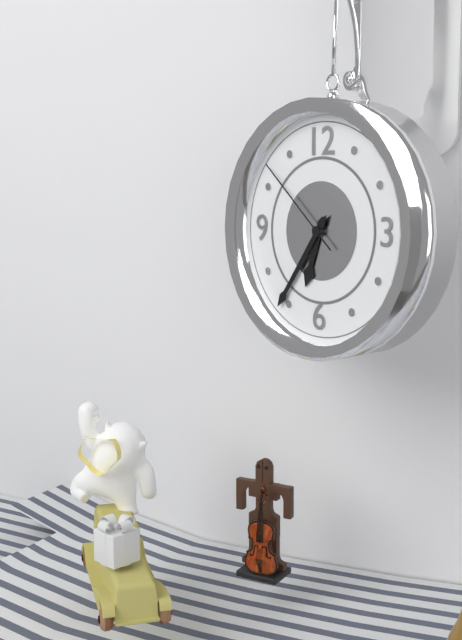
6:36:52
